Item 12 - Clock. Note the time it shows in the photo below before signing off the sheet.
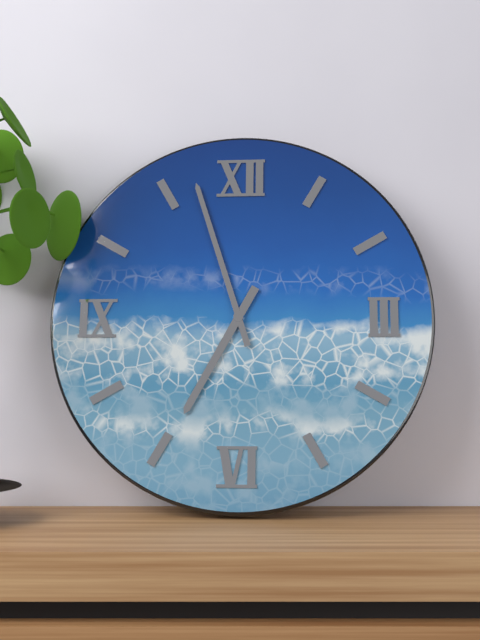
6:57
